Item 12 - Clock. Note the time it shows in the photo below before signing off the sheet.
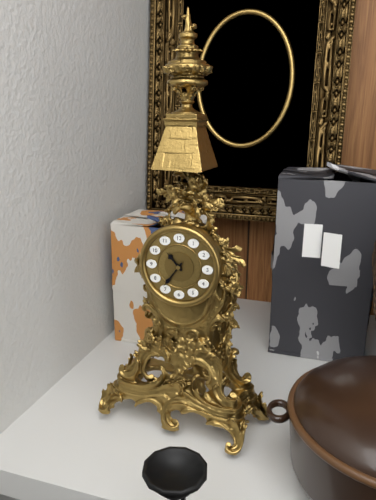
10:36
